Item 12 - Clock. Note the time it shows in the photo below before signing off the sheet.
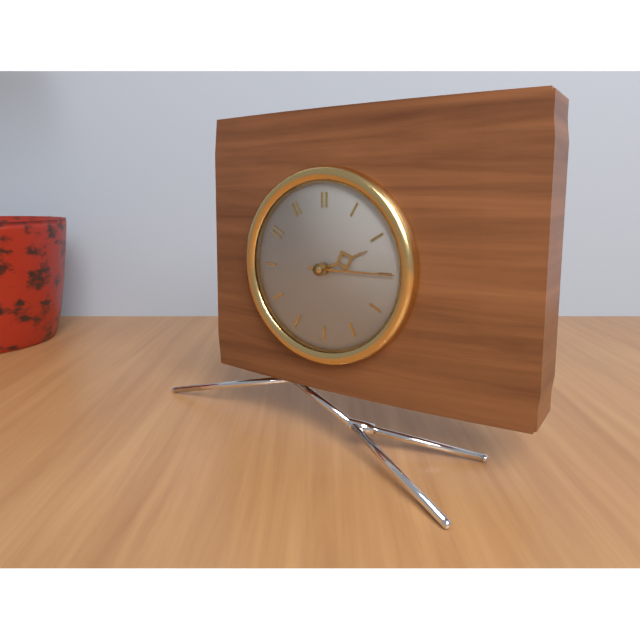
2:15
